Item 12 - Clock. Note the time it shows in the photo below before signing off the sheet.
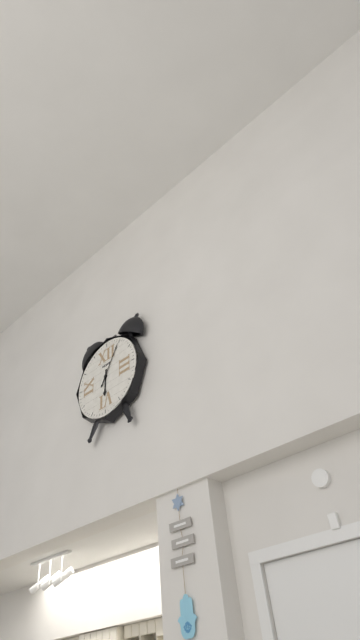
6:05
